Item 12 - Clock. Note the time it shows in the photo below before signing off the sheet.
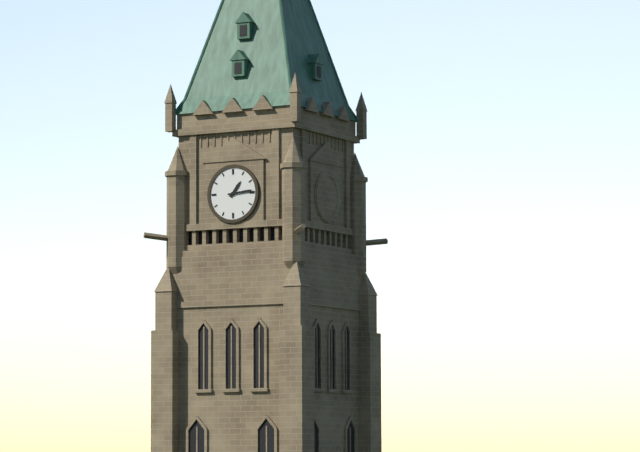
1:14
